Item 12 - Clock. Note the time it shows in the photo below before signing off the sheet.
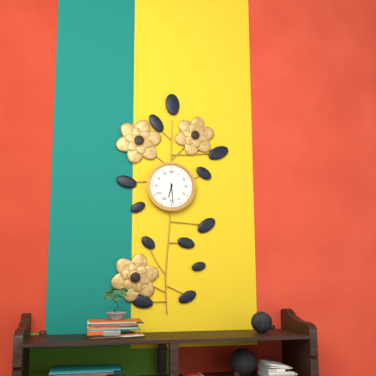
6:29
